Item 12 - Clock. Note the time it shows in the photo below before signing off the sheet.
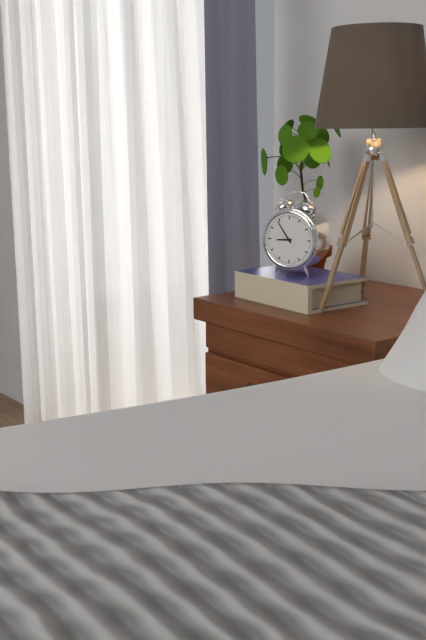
8:54
